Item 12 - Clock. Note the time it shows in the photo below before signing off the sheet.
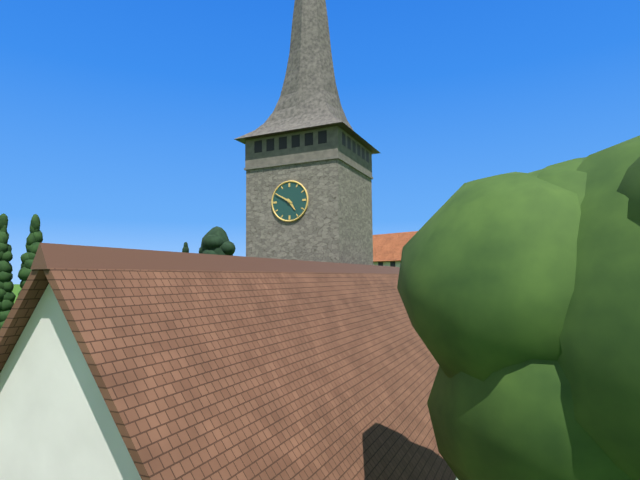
4:50
